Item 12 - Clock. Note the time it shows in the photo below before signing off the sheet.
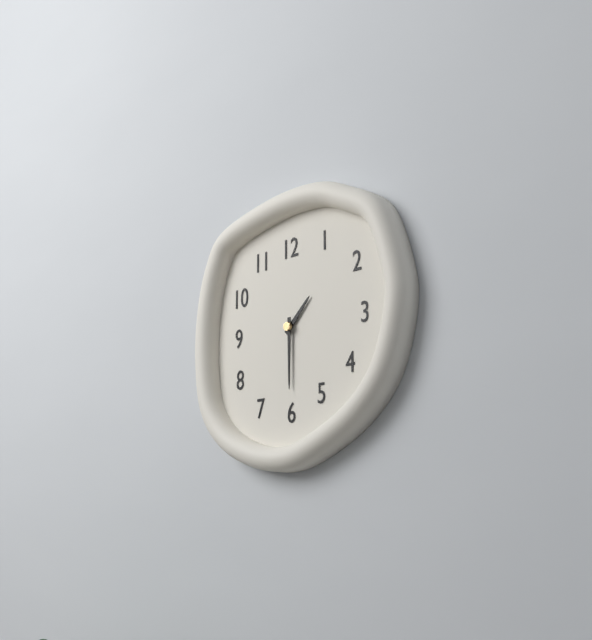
1:30
